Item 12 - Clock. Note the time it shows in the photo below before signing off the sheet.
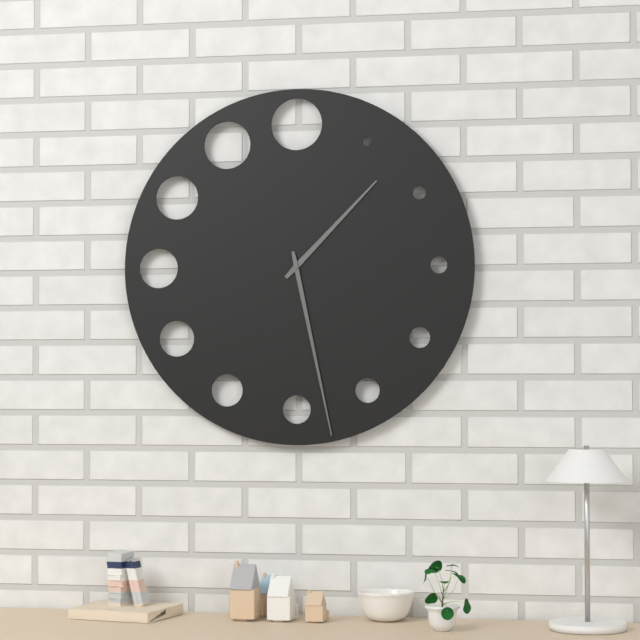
1:28
